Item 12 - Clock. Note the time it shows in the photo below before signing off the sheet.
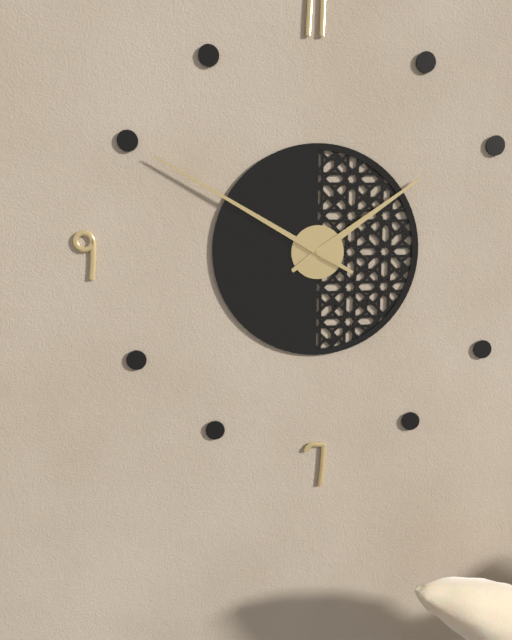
1:50
